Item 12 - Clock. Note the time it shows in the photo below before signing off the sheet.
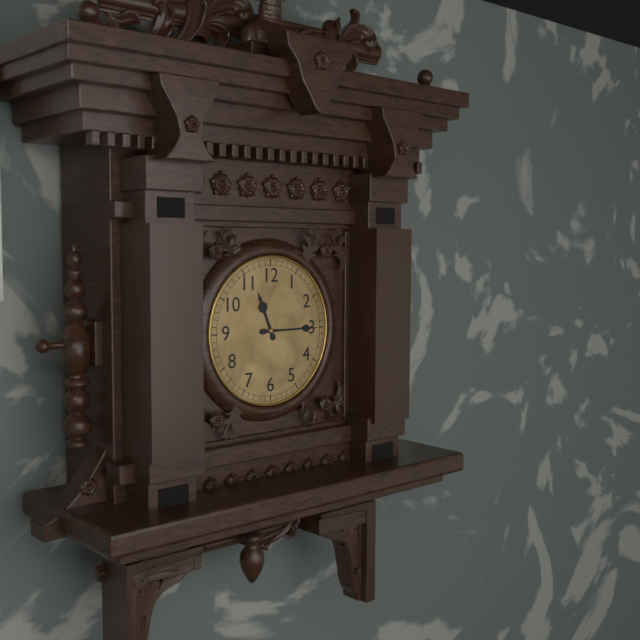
11:15
